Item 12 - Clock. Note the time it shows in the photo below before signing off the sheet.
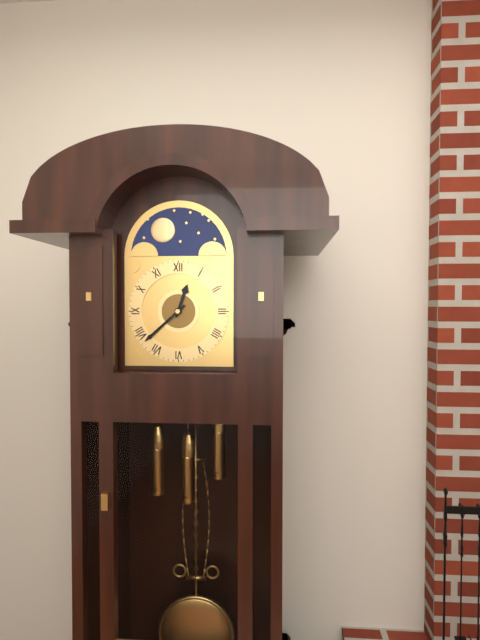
12:38
